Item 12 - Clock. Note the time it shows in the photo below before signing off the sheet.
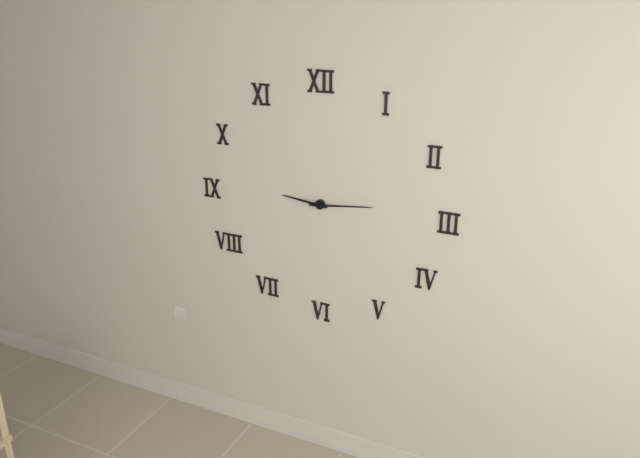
9:14
